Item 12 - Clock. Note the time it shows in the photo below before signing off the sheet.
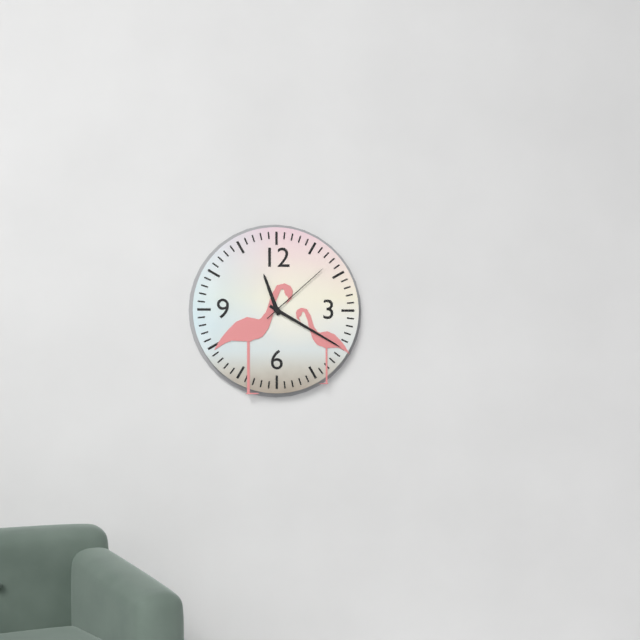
11:20:08
